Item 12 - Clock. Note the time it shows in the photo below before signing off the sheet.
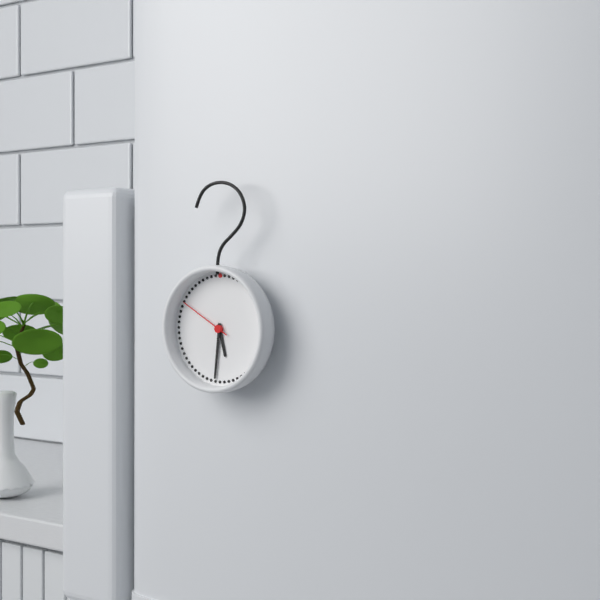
5:31:50
